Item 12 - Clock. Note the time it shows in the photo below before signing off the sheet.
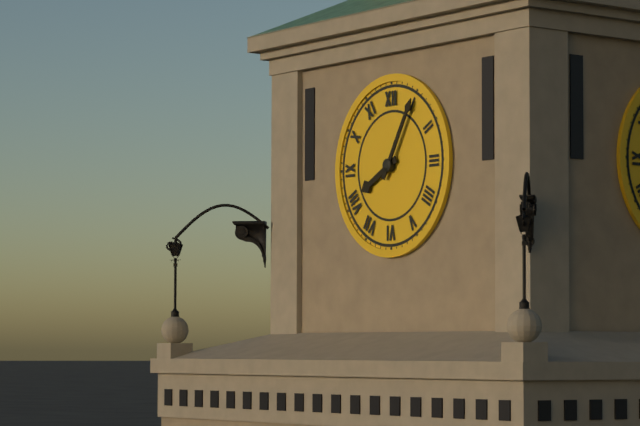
8:05
